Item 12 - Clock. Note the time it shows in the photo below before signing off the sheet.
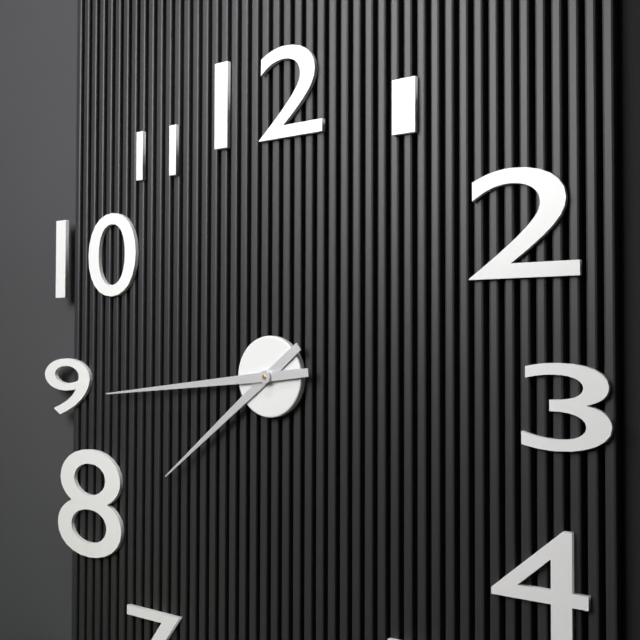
7:44
